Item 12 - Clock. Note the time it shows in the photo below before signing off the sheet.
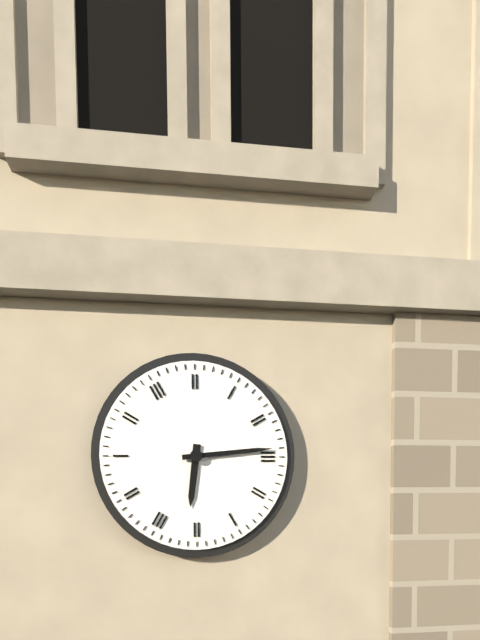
6:14
